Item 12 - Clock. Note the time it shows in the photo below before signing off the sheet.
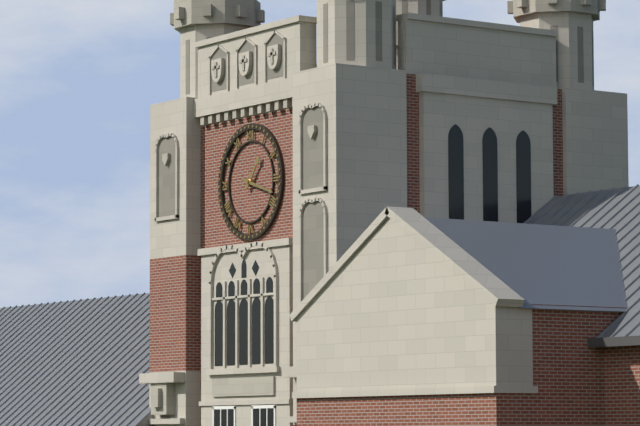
1:18
